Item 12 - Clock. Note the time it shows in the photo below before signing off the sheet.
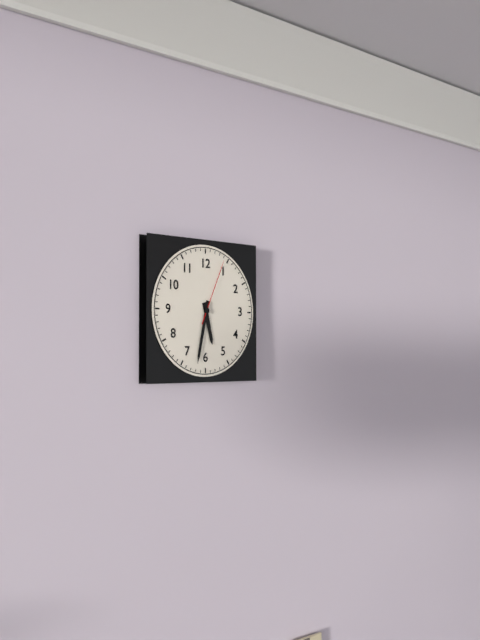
5:32:04
